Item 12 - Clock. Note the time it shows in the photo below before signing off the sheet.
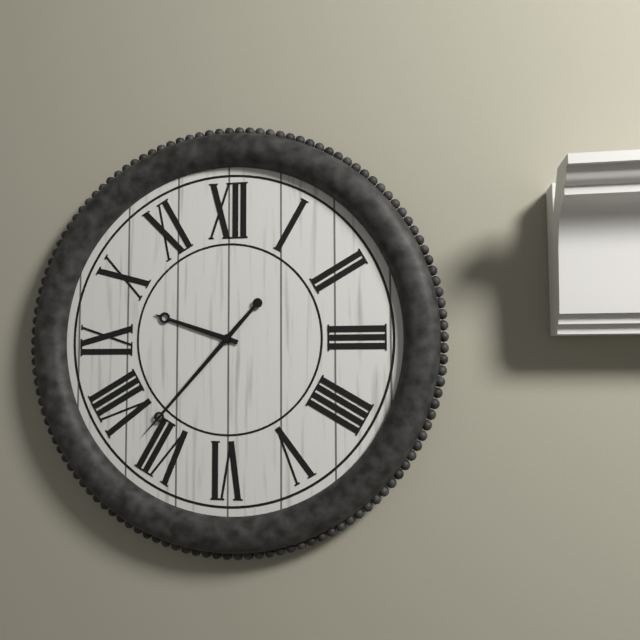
9:37
